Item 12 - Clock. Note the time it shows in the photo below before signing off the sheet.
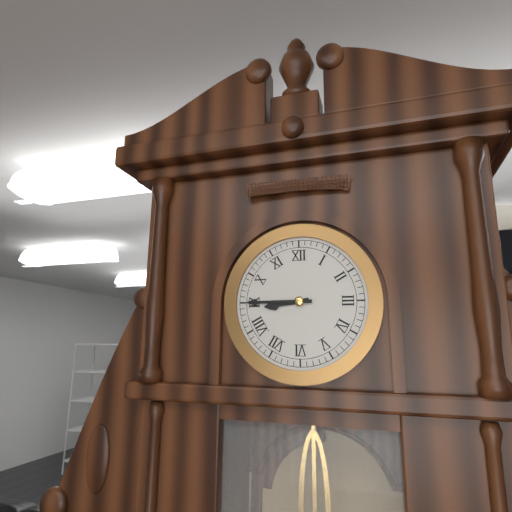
8:45
